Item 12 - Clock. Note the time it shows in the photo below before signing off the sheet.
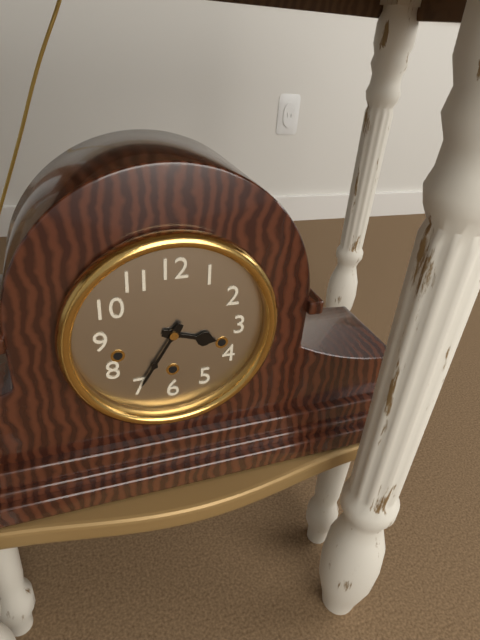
3:35
